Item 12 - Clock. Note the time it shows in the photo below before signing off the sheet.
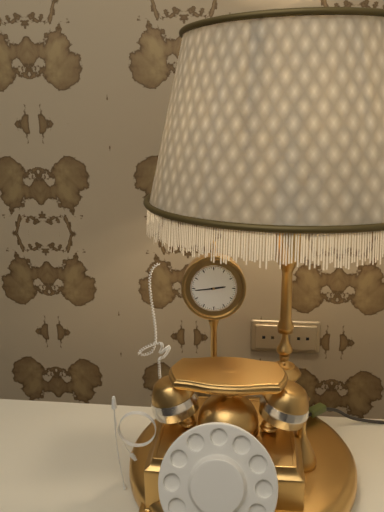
2:44
